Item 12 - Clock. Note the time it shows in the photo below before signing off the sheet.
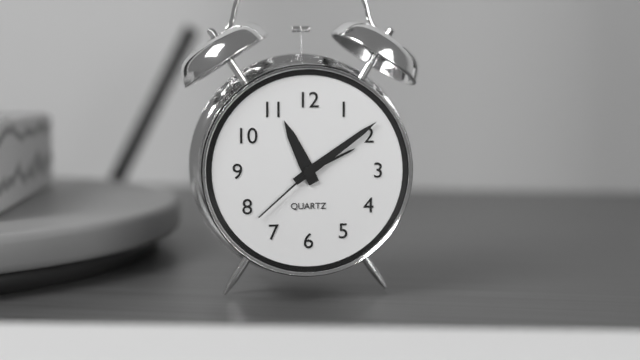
11:09:38
